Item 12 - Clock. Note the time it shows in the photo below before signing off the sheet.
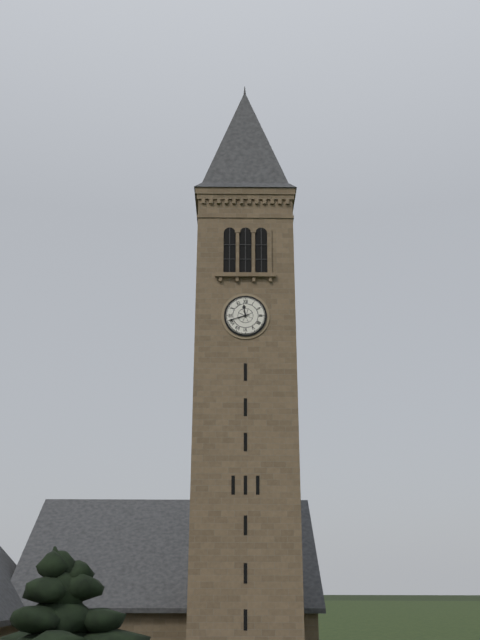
11:42
